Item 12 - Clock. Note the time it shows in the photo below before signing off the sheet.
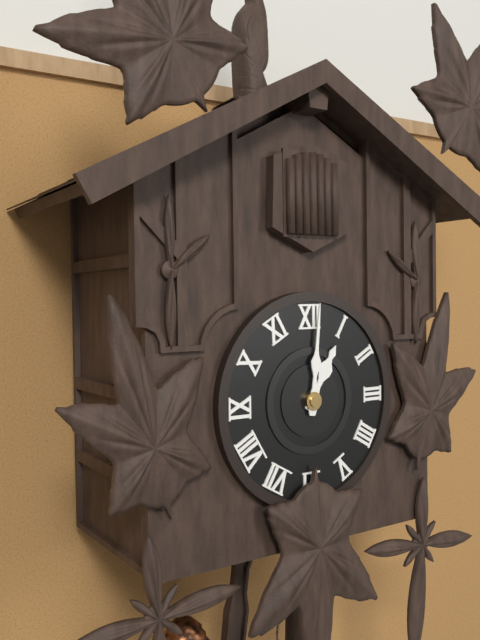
1:01
